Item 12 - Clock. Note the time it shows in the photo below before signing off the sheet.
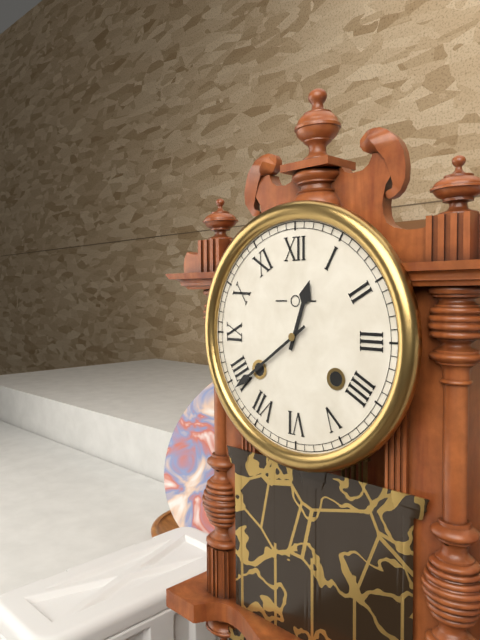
12:39
